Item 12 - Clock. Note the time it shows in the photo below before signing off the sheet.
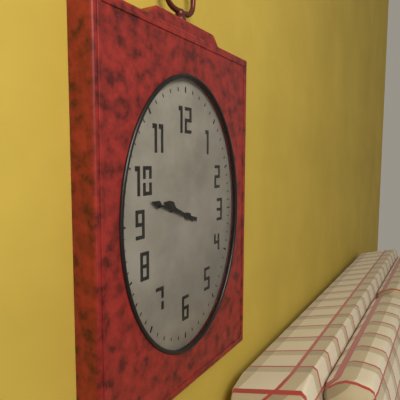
9:48
